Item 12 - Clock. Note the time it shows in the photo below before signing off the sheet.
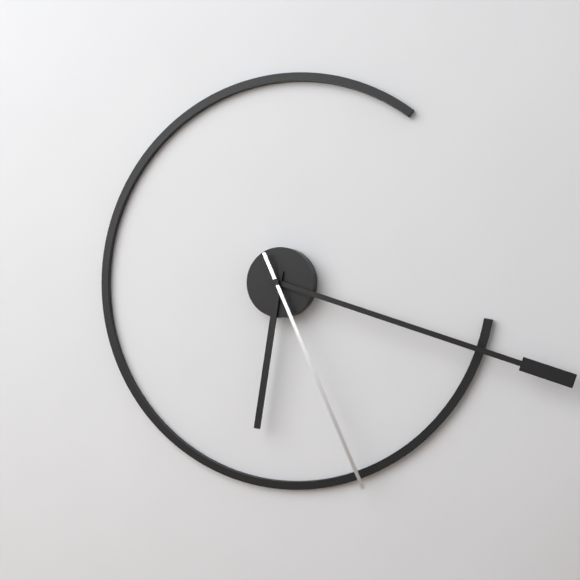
6:18:26
